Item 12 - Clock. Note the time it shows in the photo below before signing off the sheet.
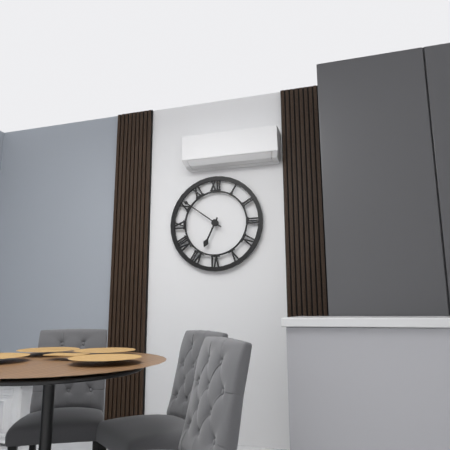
6:51
